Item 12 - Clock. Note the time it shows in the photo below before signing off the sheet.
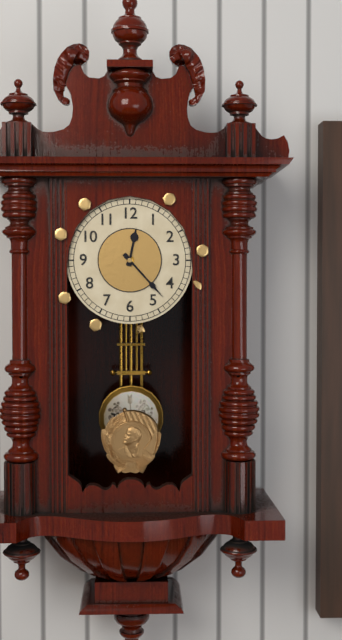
12:23
